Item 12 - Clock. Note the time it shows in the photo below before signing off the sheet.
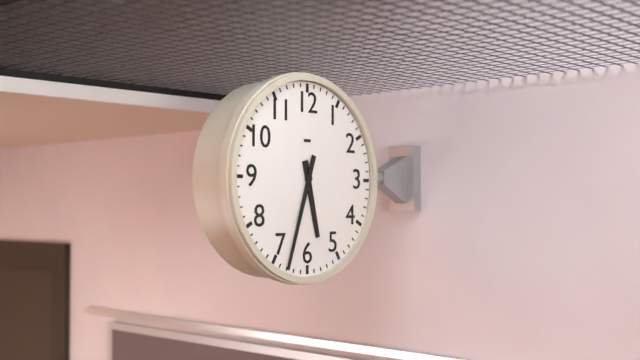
5:33
